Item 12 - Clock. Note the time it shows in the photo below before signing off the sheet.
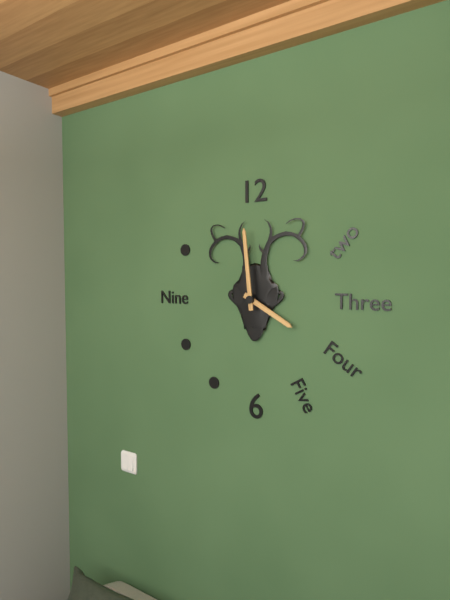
3:59
